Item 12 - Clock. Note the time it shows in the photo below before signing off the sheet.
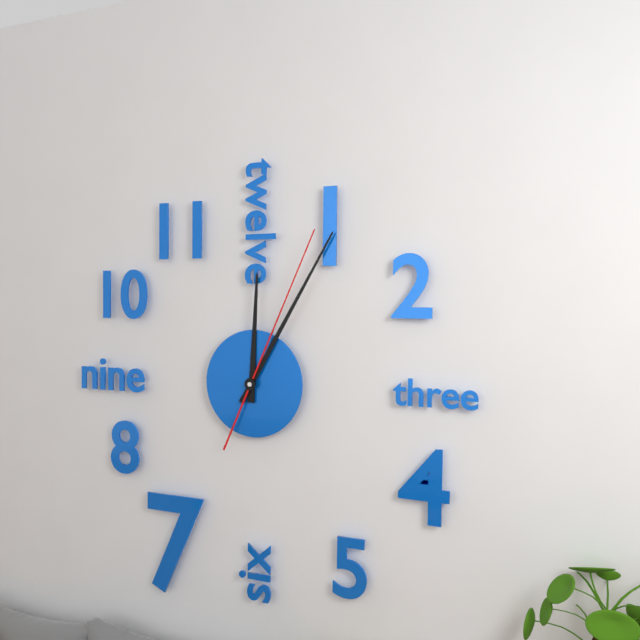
12:05:04
